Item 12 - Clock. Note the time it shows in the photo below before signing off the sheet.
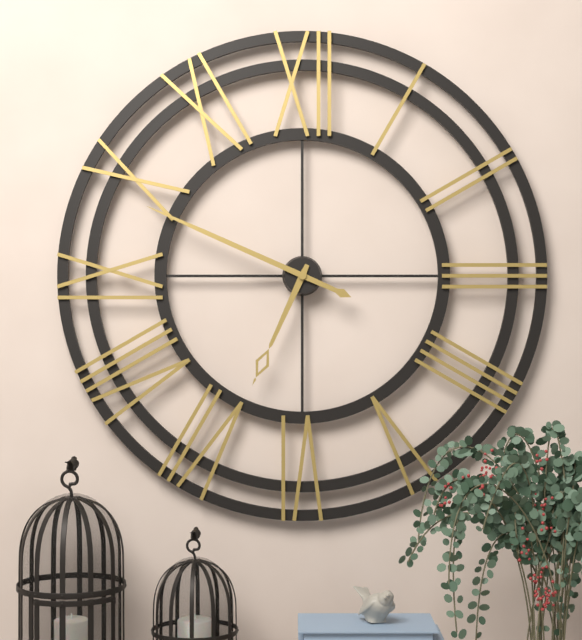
6:49
